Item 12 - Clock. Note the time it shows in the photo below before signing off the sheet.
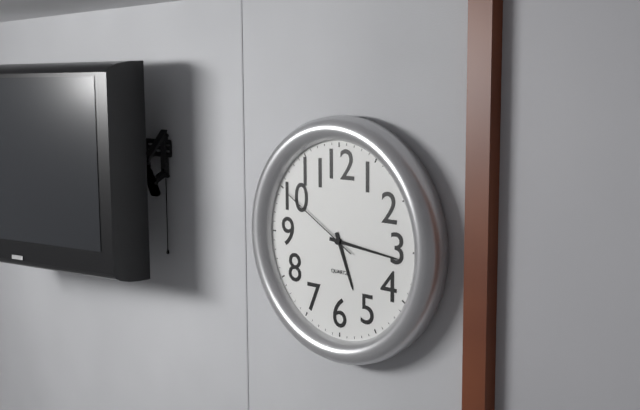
5:16:50
